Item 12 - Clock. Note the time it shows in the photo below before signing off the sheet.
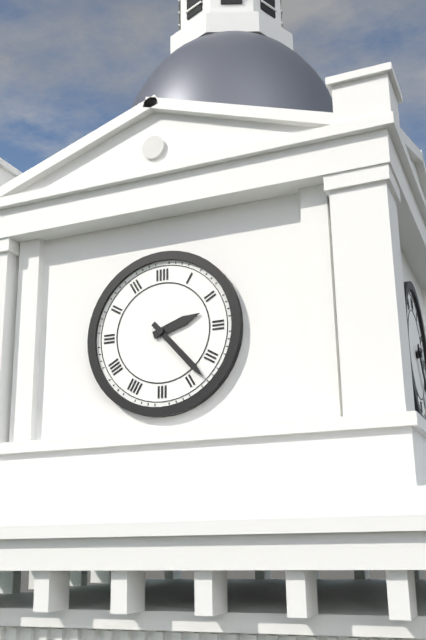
2:23
